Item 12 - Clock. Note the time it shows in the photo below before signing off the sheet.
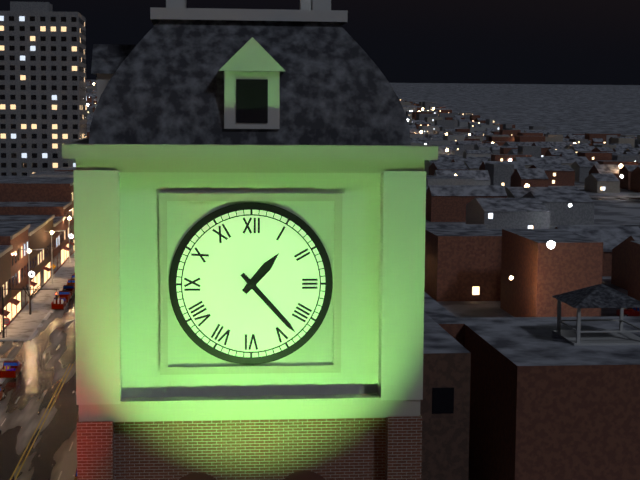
1:23
